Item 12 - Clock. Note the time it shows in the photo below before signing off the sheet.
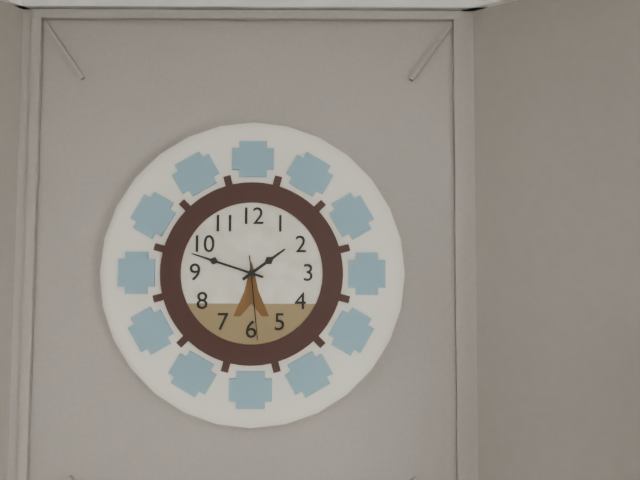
1:48:29
